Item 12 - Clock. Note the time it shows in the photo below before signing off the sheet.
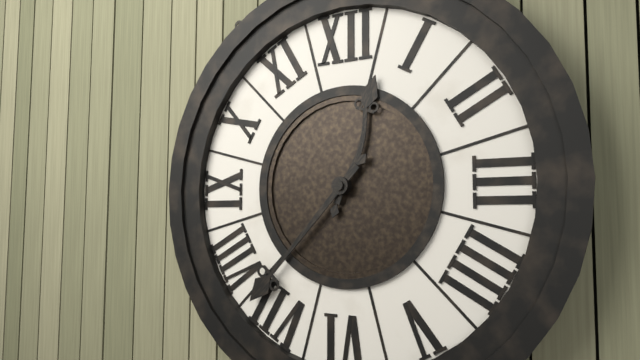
12:37
